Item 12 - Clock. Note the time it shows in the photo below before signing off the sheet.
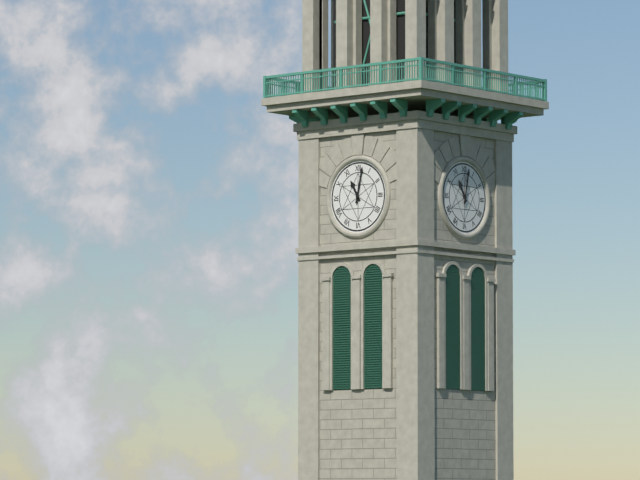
11:02
